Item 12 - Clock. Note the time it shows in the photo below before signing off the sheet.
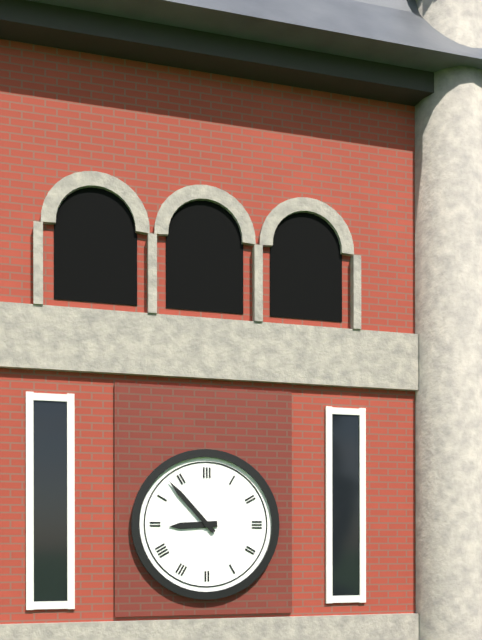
8:53
